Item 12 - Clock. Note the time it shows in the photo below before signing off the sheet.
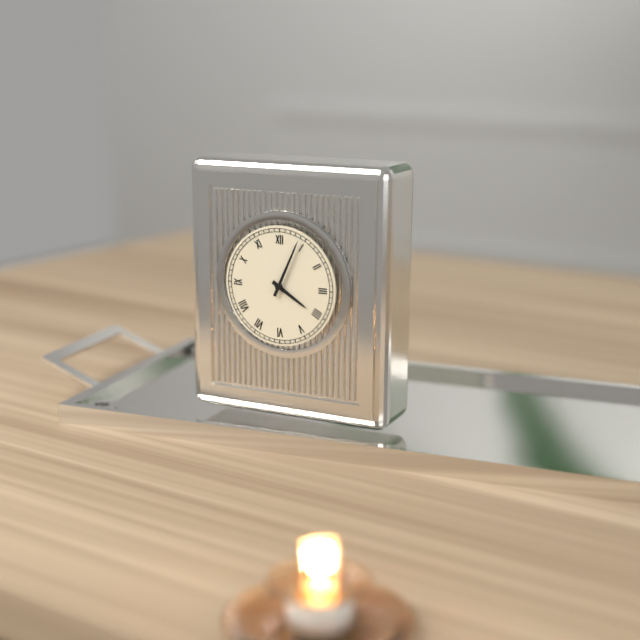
4:04
